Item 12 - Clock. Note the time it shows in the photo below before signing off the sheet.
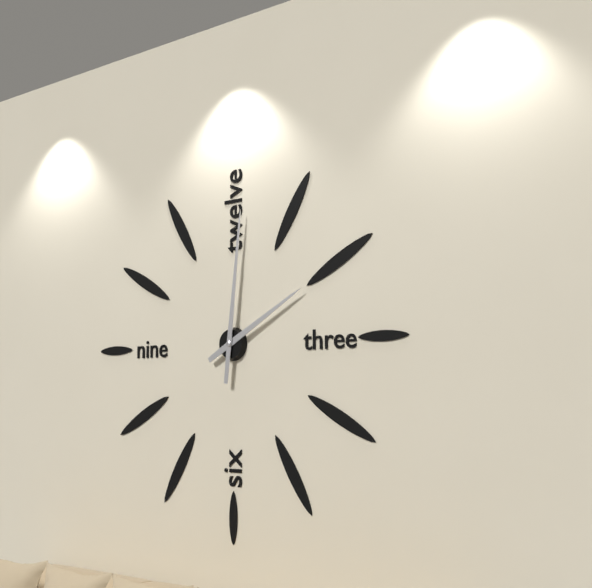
2:01
